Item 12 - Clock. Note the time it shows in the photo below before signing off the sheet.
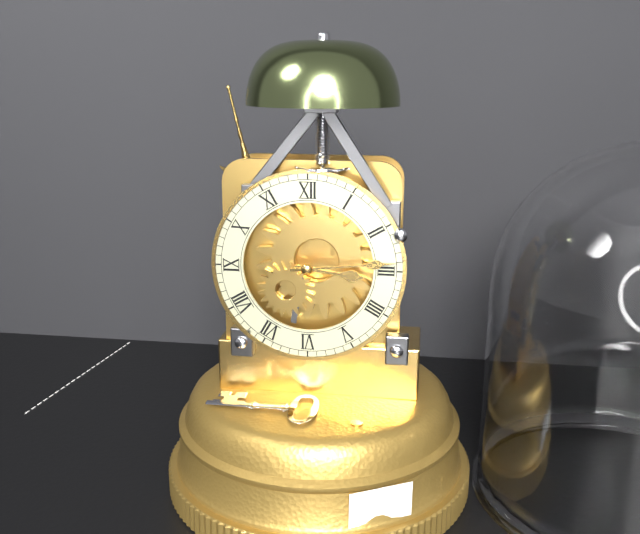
3:14
